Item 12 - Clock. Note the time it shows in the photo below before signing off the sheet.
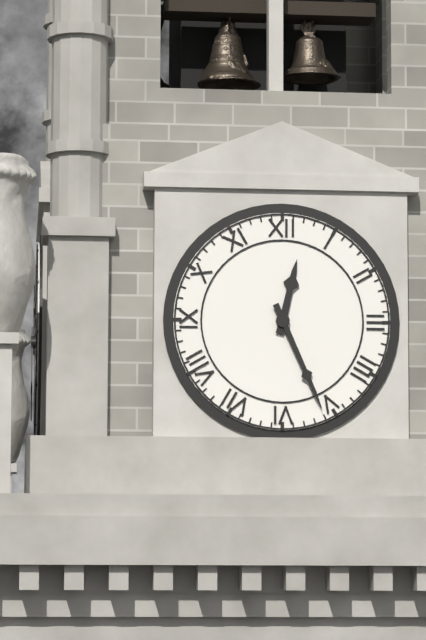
12:26
